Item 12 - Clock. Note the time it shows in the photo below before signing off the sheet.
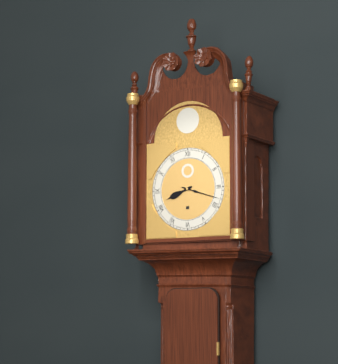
8:18
